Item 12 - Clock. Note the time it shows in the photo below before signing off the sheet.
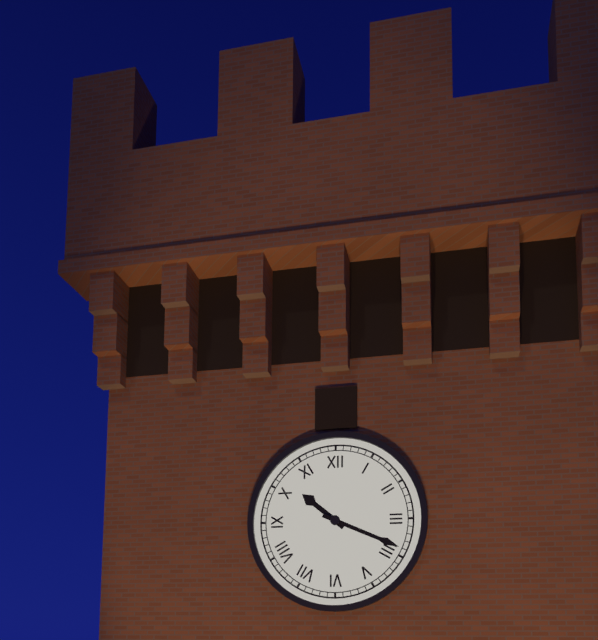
10:19
